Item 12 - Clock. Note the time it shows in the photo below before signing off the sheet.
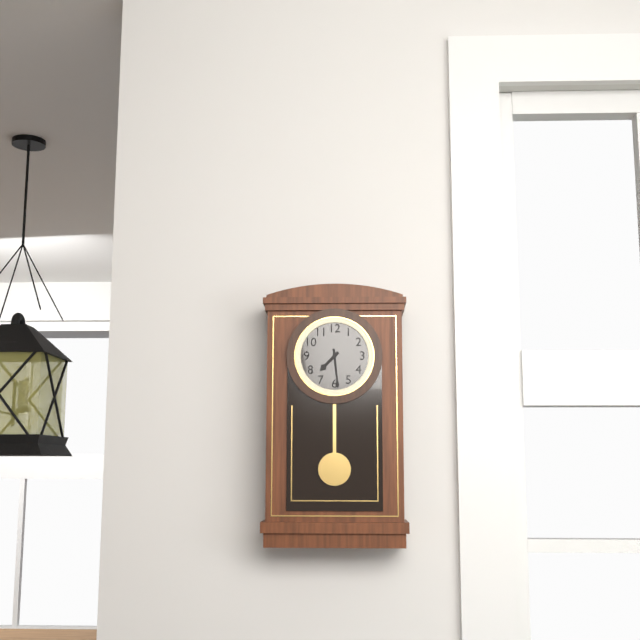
7:29
